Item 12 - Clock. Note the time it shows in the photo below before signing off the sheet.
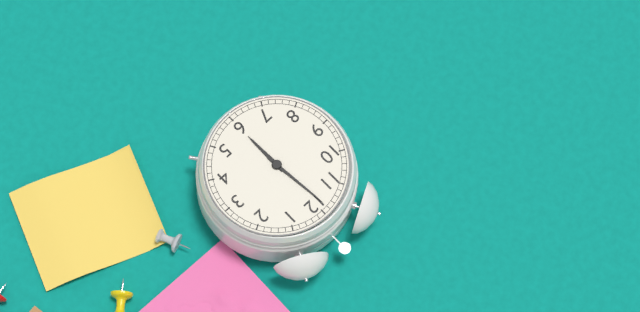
5:59
